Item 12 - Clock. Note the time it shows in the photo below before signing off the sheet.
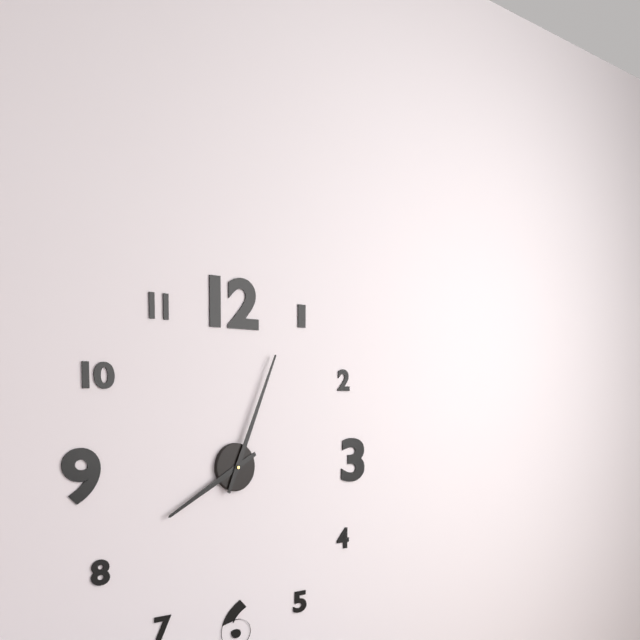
8:04
